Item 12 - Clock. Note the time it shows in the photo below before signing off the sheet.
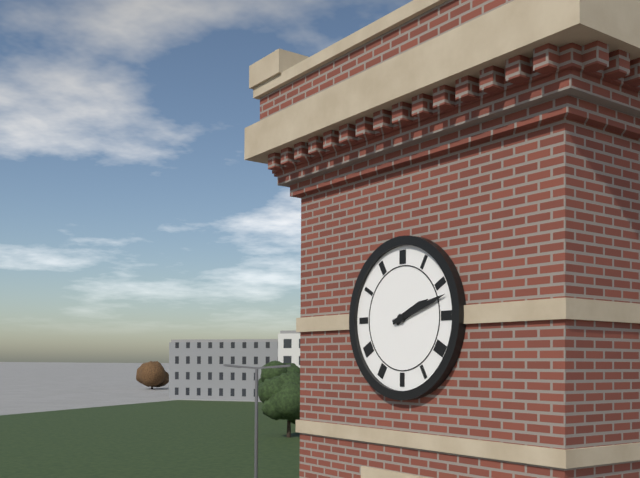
2:12
